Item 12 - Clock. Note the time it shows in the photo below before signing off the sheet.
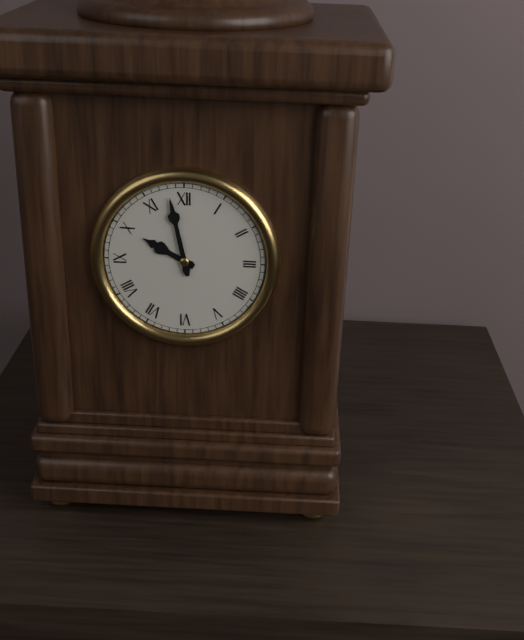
9:58
